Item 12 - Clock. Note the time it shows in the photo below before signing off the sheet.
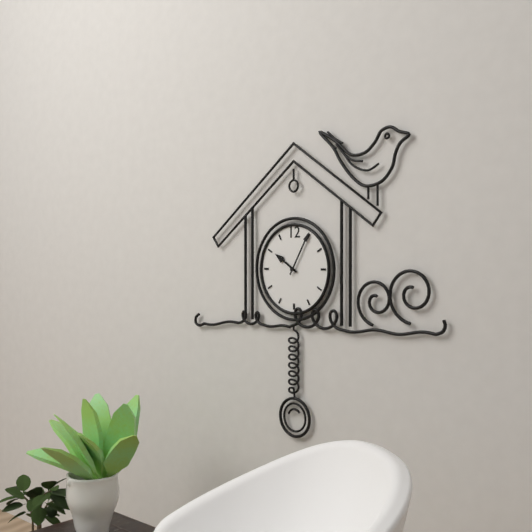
10:05
